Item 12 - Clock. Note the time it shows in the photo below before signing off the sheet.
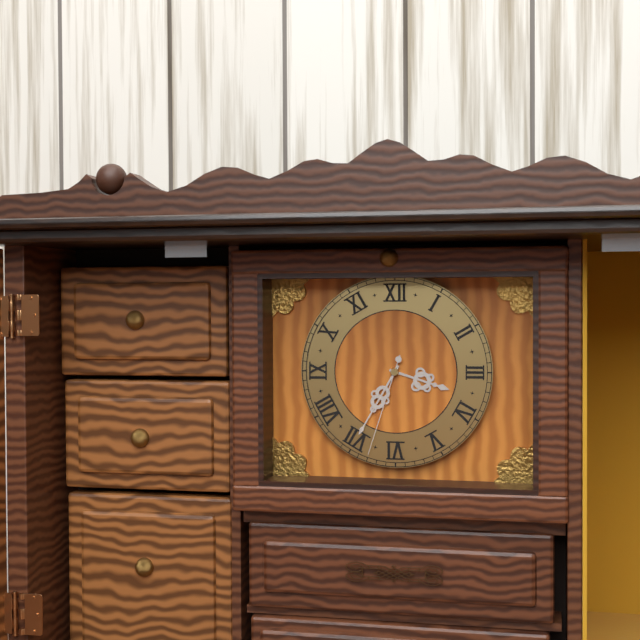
3:35:33
